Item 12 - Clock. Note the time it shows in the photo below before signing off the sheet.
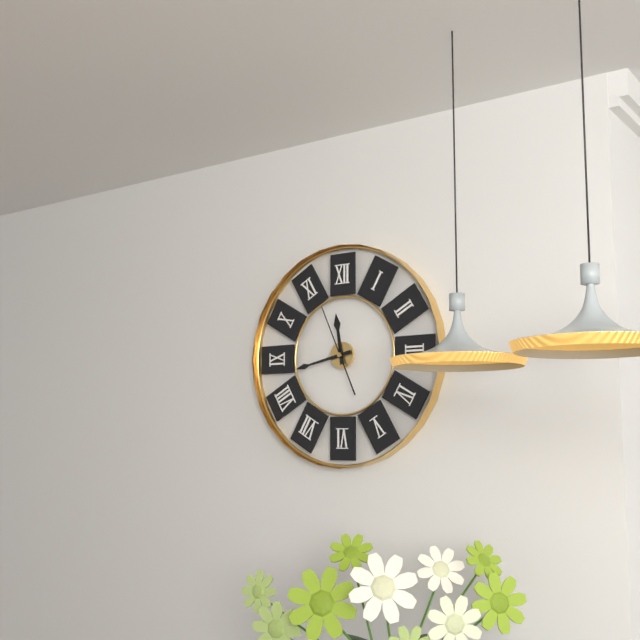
11:43:56
